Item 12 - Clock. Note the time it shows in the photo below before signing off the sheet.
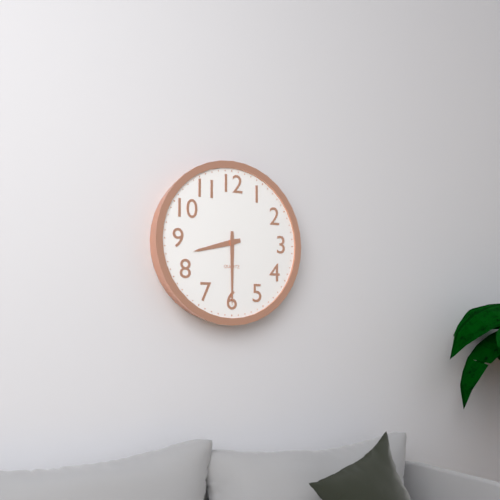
8:30
